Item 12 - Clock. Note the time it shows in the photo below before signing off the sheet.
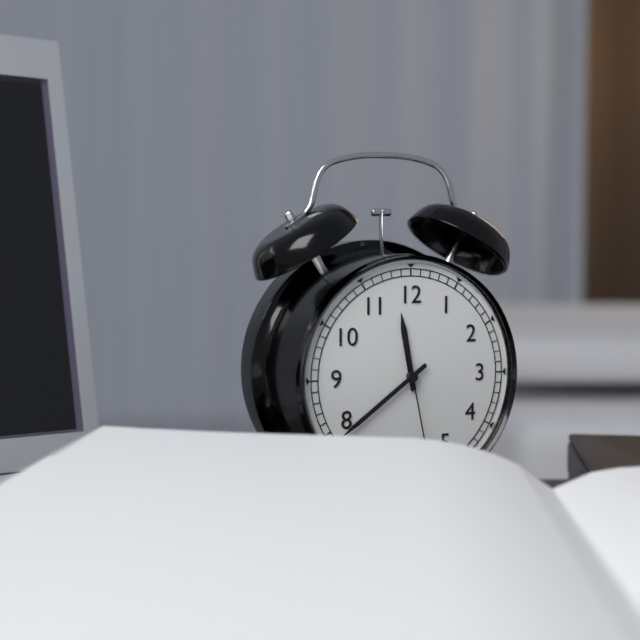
11:39:28
